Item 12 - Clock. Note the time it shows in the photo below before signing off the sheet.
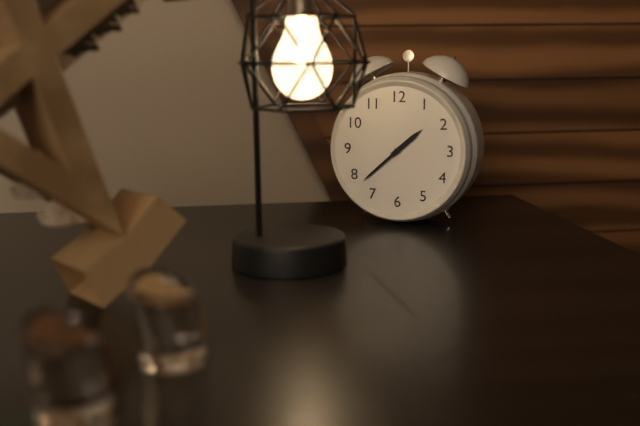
1:38
